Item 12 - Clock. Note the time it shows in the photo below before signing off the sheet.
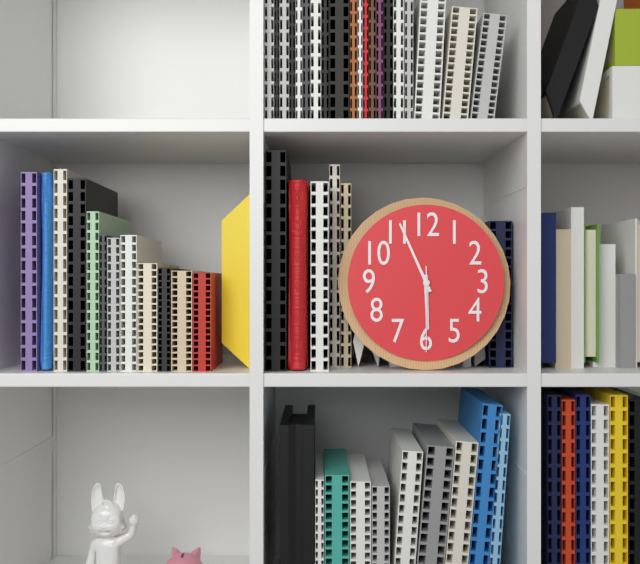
5:56:30
